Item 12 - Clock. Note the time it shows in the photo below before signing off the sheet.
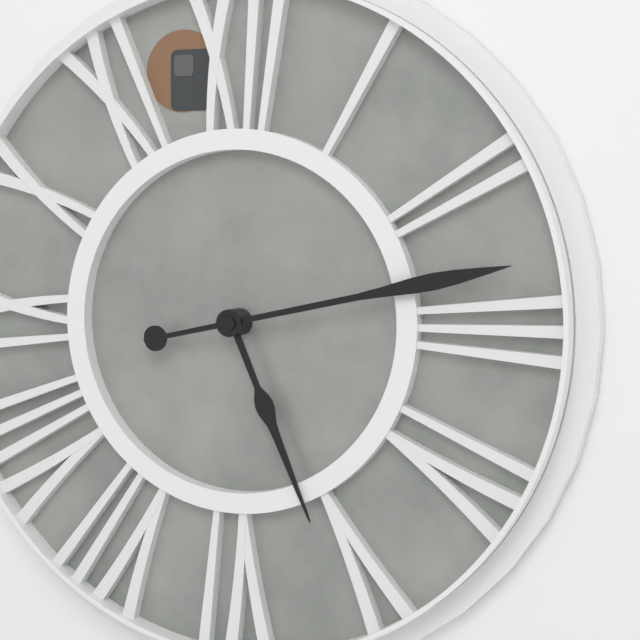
5:13
